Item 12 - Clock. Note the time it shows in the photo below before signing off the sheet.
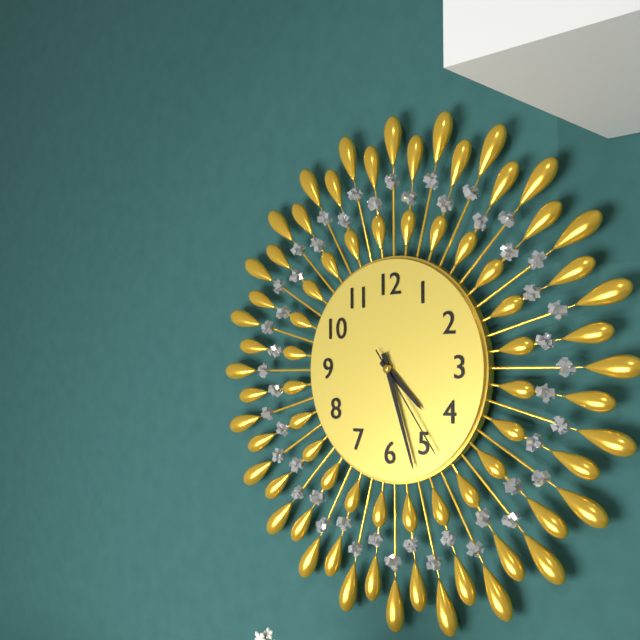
4:27:24
